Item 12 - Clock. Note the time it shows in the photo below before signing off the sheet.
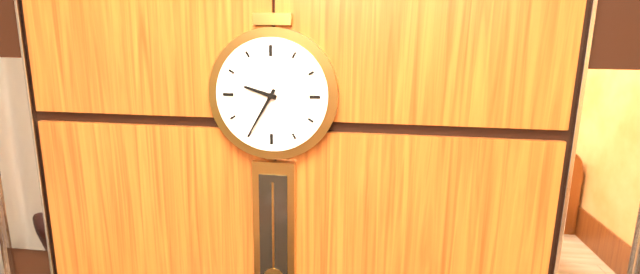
9:35
